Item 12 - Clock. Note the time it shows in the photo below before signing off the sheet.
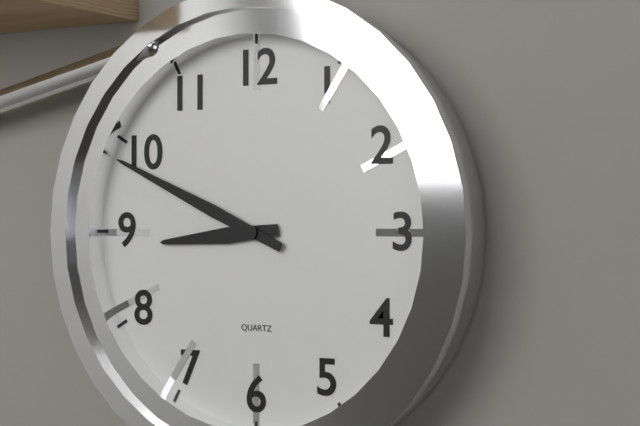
8:49
